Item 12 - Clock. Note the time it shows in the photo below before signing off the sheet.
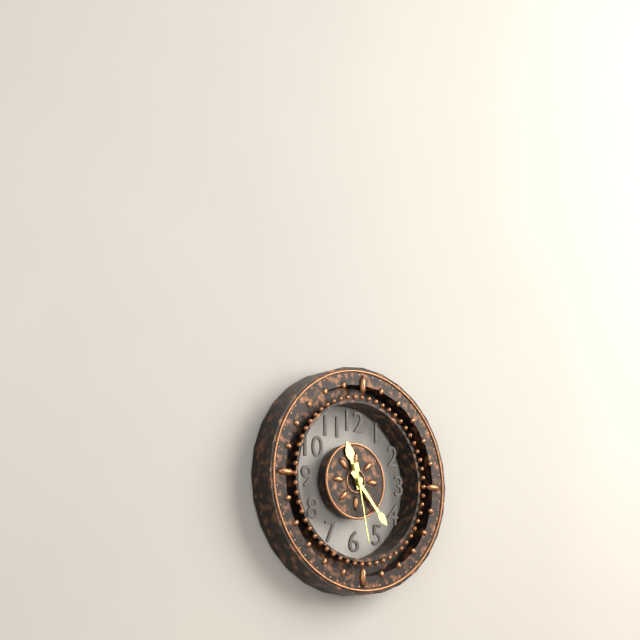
11:23:28
